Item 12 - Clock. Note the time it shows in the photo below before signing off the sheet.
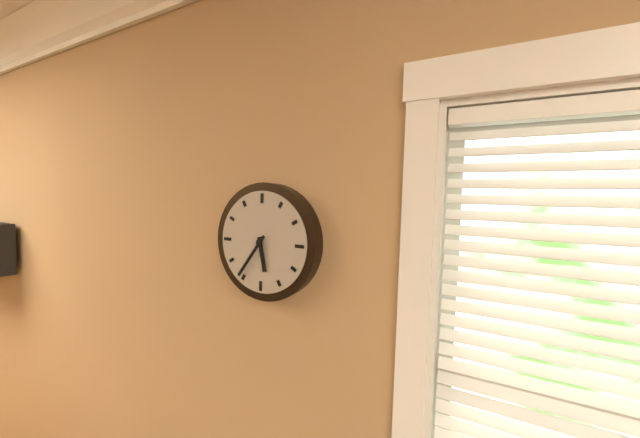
5:36
